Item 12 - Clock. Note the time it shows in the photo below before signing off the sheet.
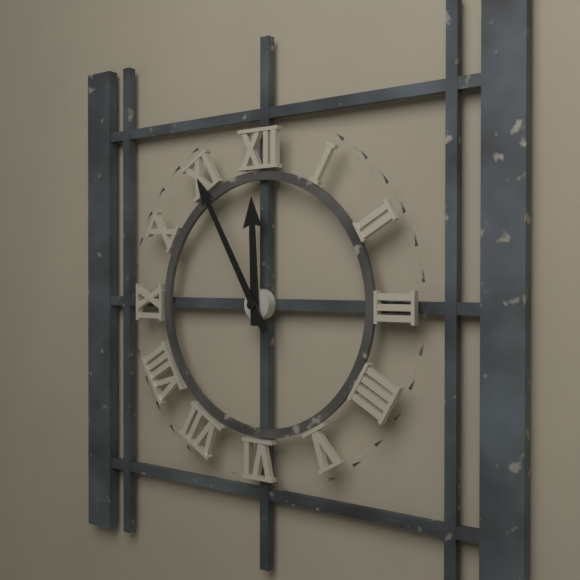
11:55
